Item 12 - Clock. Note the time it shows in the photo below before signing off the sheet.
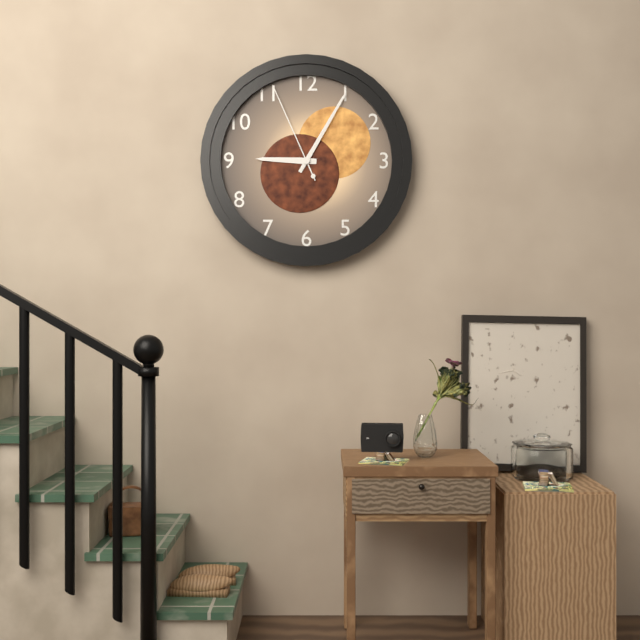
9:05:56
